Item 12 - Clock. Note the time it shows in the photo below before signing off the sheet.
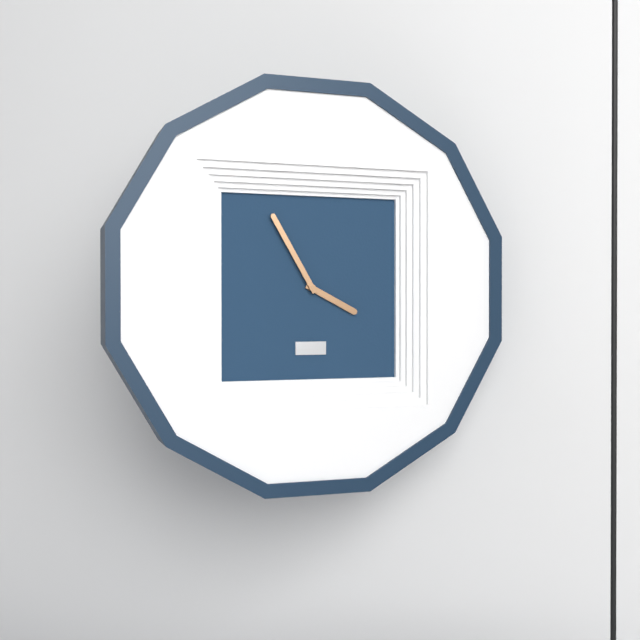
3:55
